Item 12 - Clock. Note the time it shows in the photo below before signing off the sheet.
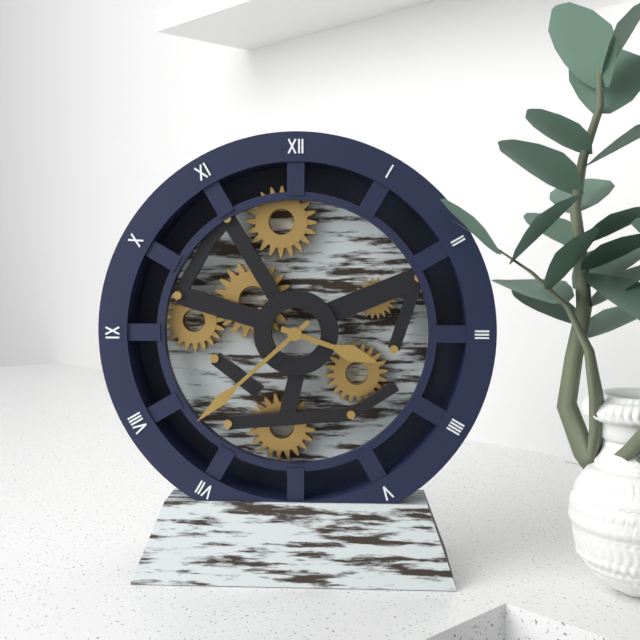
3:38
